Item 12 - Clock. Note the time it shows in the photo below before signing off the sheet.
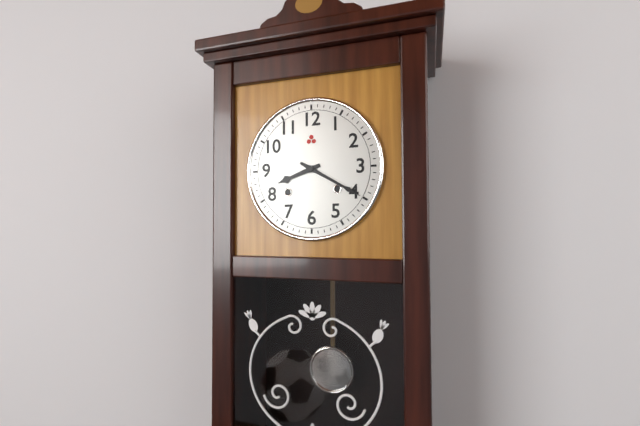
8:20
